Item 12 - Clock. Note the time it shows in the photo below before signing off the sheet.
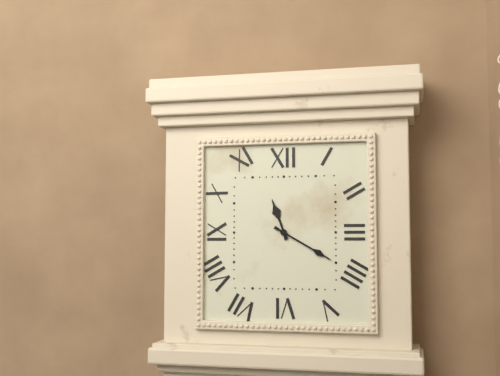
11:20
